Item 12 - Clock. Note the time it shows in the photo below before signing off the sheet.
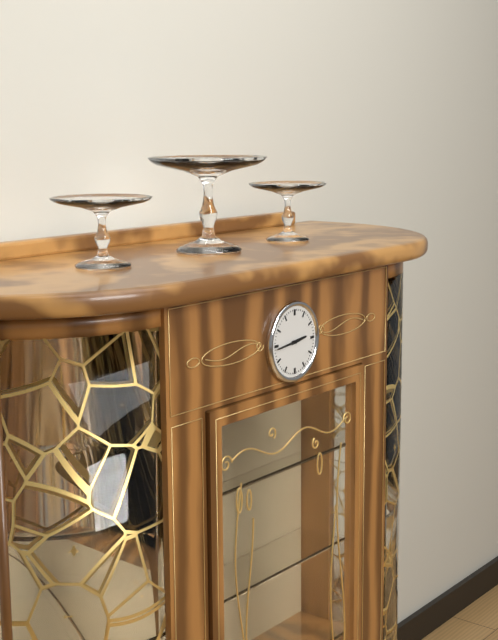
2:44
